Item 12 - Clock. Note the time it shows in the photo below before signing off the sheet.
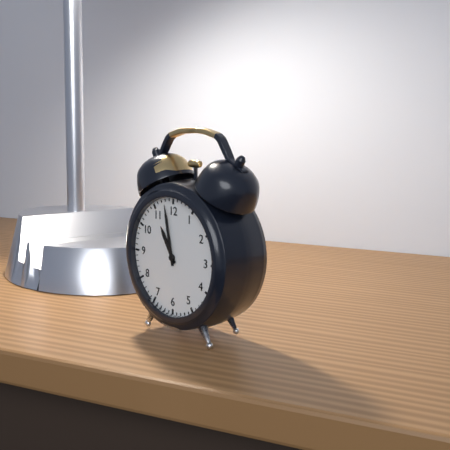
10:58
